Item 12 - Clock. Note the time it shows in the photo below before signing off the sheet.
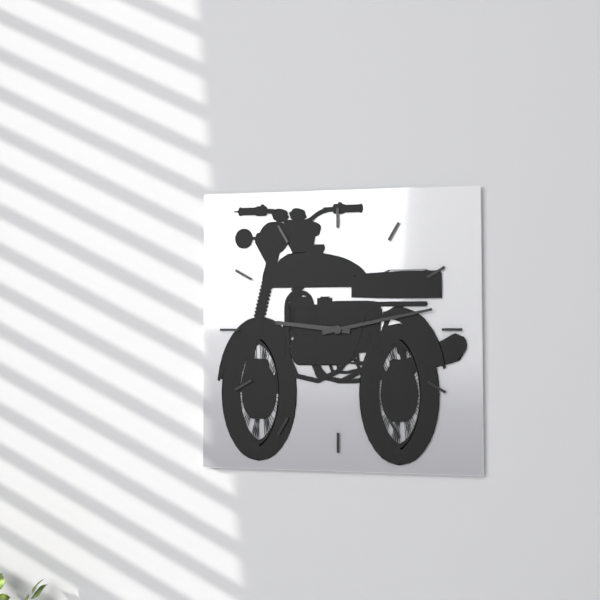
9:13
